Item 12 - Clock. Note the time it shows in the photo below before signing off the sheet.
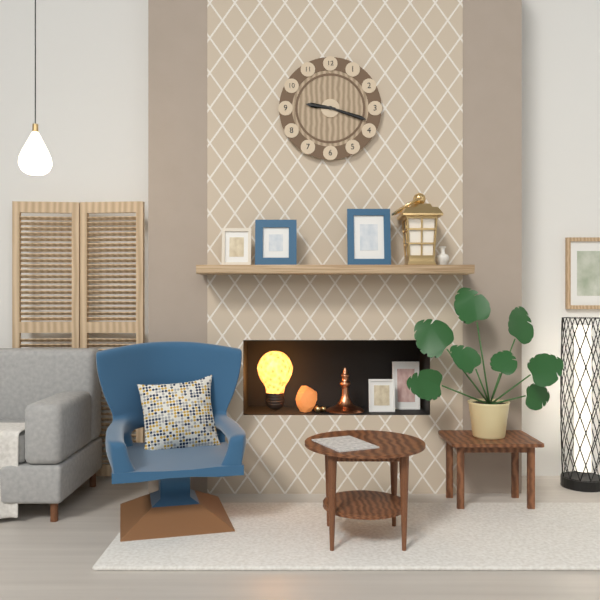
9:18
